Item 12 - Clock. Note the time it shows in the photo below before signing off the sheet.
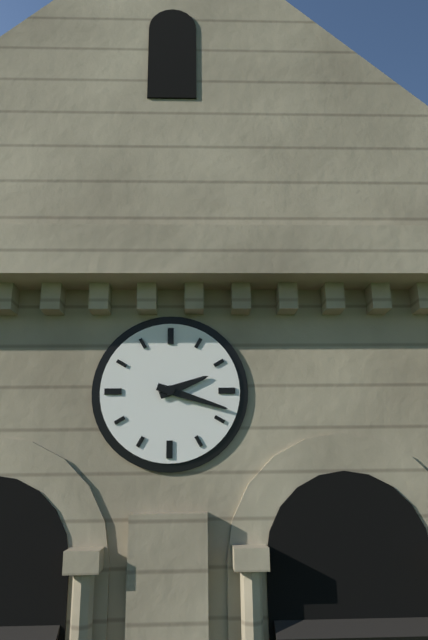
2:18
